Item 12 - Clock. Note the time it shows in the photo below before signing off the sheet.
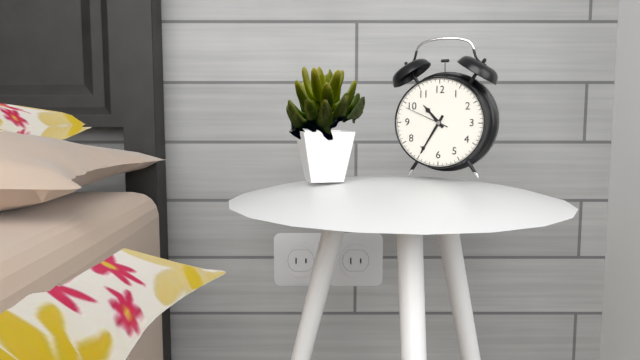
10:35
